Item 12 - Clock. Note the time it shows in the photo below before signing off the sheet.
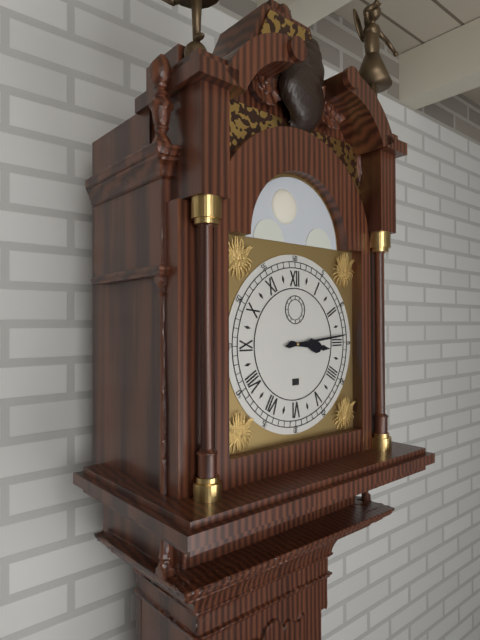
3:14
